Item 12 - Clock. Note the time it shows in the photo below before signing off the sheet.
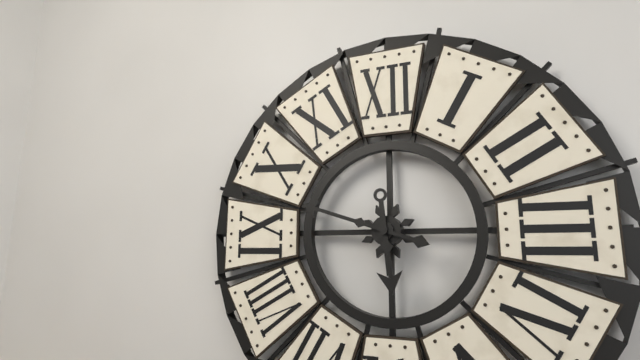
5:48
